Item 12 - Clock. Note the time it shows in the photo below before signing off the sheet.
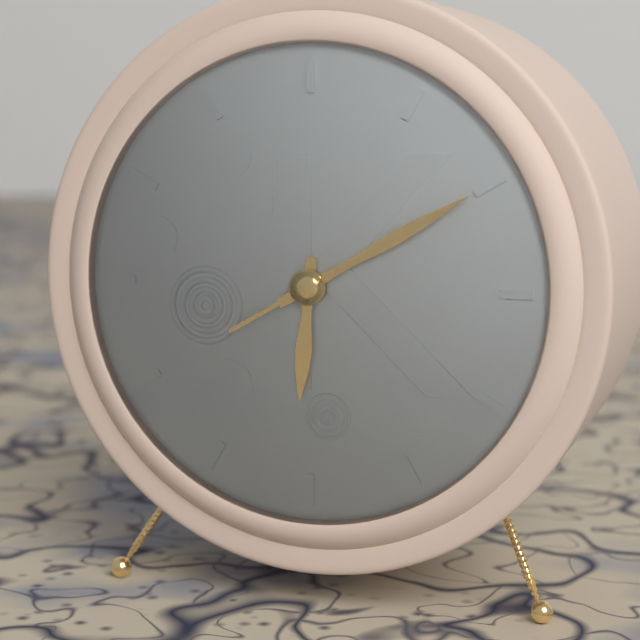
6:10:10
